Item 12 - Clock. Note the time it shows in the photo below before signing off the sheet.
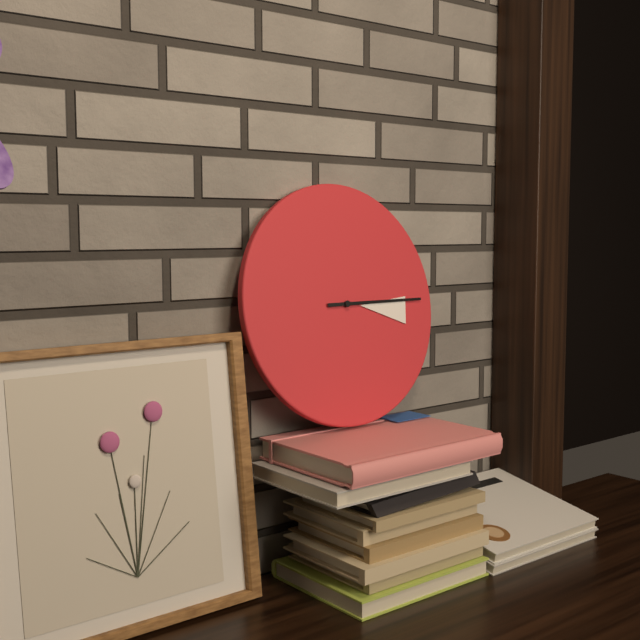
3:15
